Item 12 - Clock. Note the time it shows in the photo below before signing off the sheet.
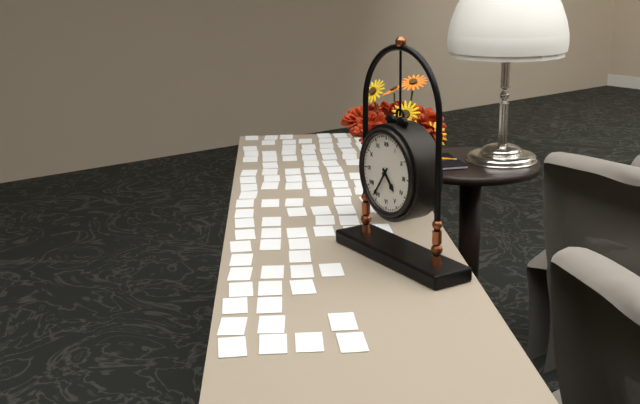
4:36
